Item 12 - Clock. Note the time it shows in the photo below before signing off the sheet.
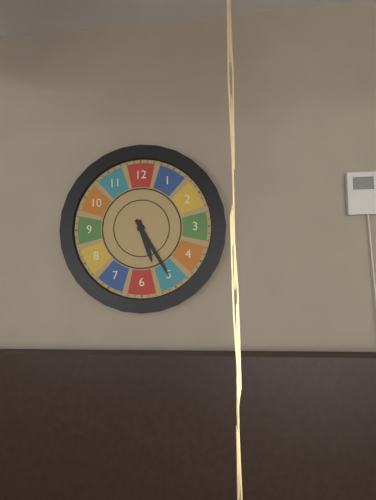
5:25
